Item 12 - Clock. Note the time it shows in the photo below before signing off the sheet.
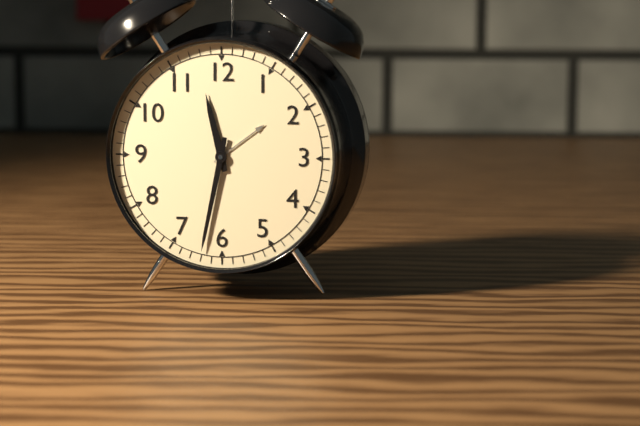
11:32
